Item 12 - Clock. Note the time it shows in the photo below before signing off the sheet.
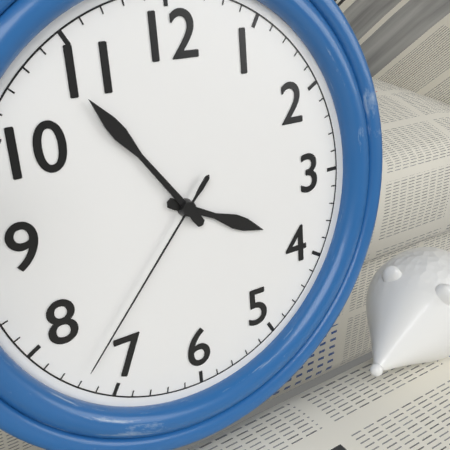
3:54:37
